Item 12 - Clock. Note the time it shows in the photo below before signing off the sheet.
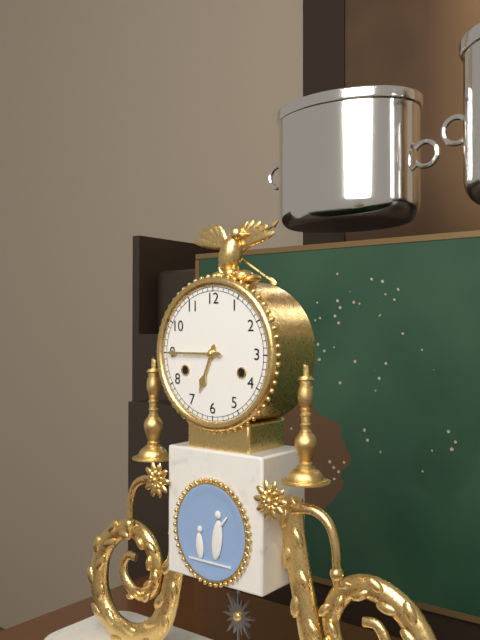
6:45
